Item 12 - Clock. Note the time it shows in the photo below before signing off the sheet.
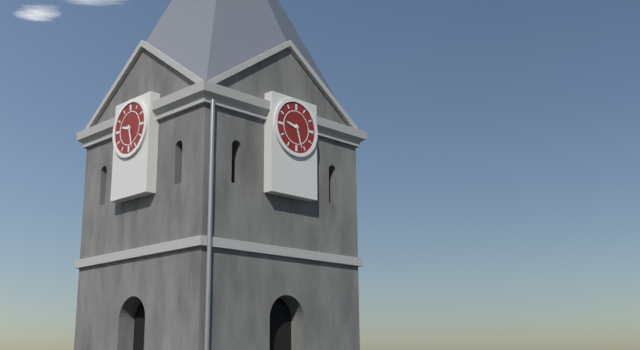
9:27
